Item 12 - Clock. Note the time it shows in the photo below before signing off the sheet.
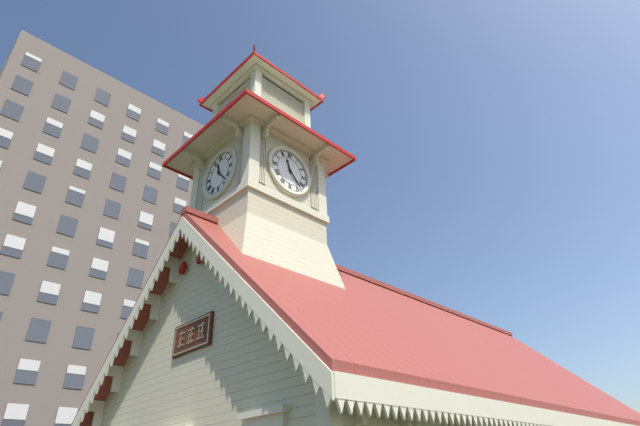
11:23
